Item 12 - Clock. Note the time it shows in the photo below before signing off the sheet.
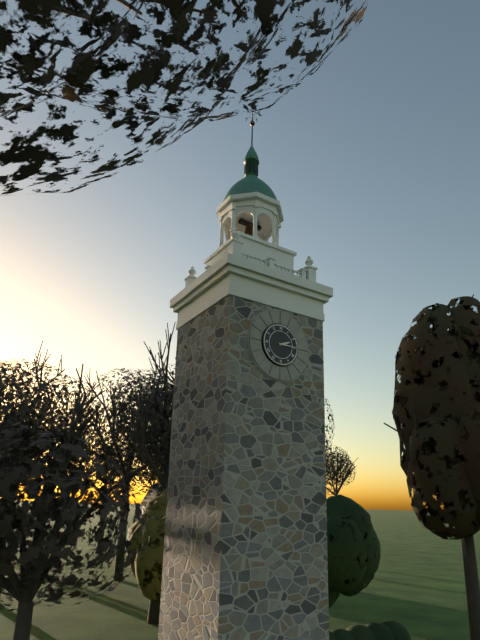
2:15
